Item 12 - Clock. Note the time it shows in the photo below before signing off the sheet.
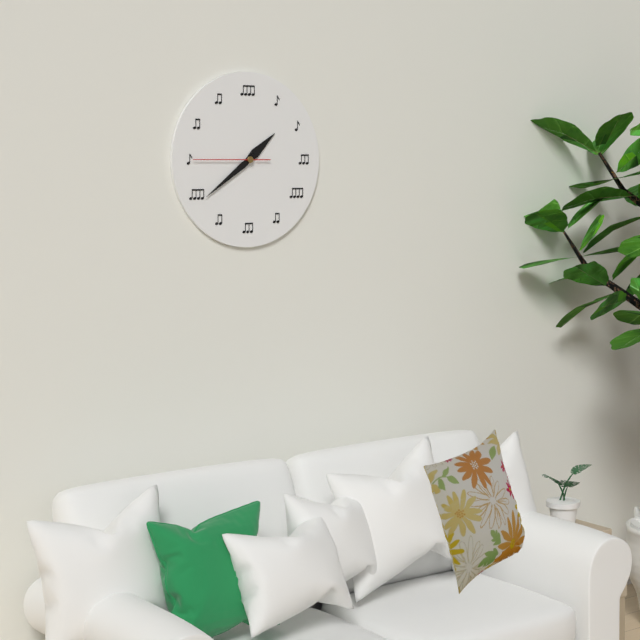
1:39:45
